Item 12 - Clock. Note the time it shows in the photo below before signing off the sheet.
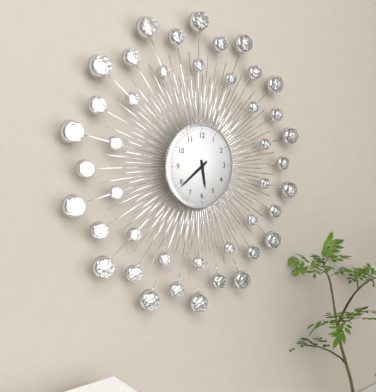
5:39
